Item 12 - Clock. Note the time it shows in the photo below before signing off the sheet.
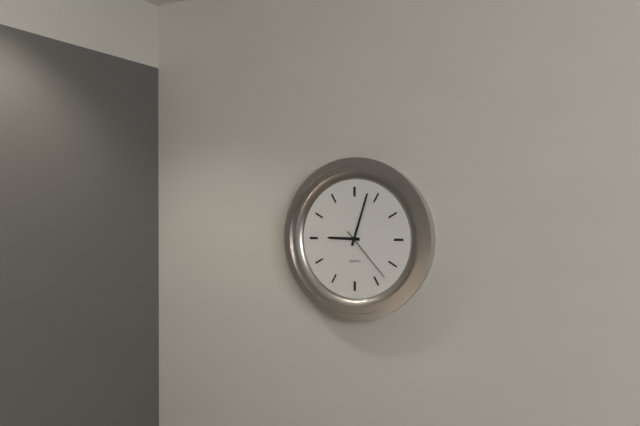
9:03:23
